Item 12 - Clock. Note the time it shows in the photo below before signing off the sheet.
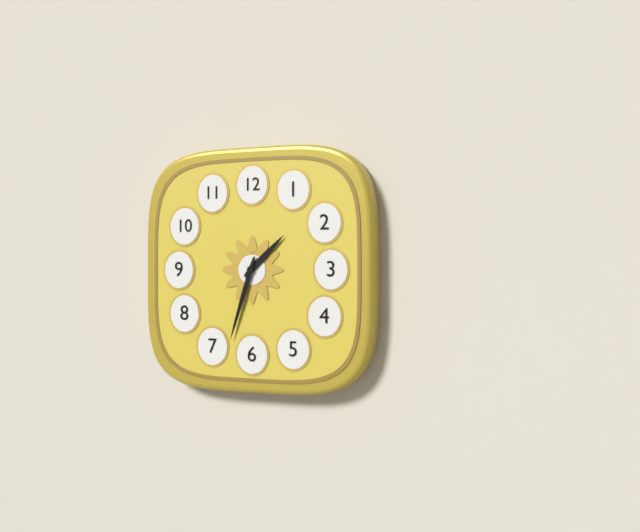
1:33
